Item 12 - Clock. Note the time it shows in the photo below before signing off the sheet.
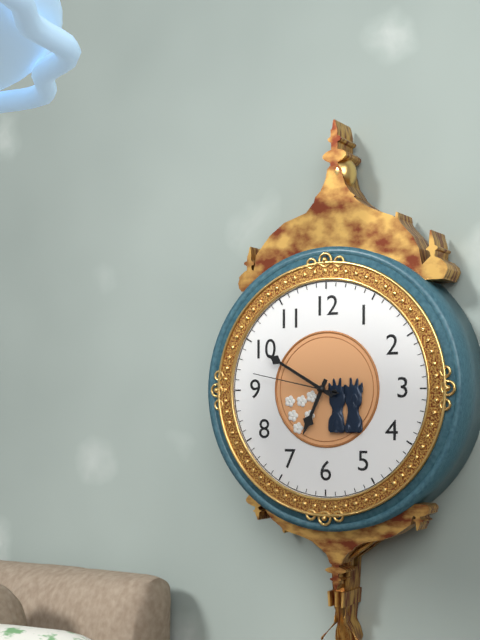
6:50:47
